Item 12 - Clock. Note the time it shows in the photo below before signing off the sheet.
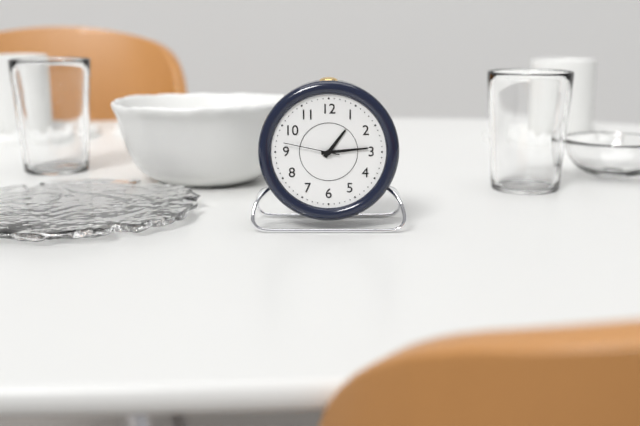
1:14:47
